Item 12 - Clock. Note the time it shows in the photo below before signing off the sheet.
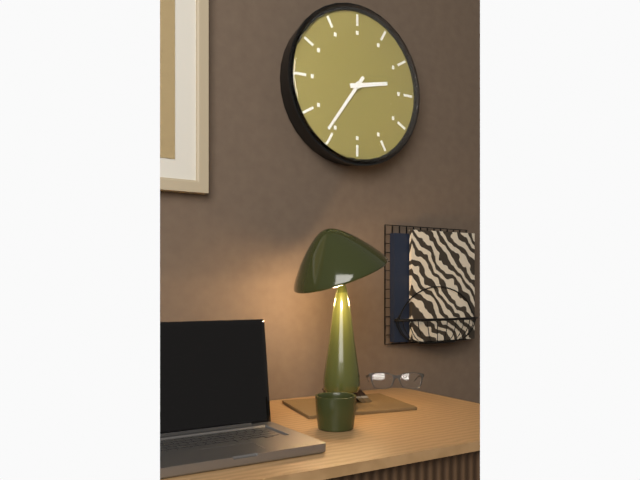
2:36
